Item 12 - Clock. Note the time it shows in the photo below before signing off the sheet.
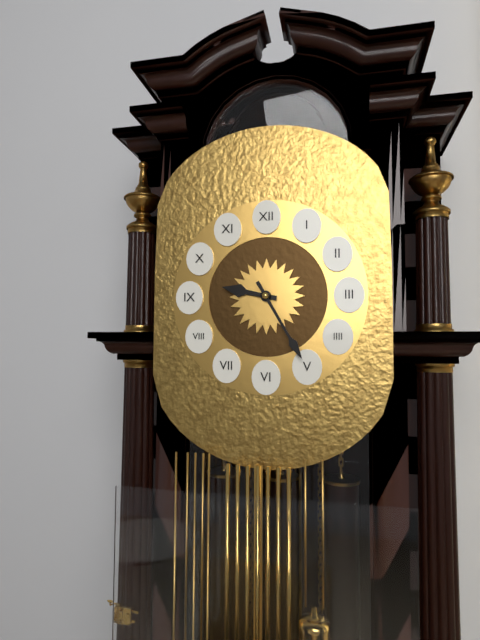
9:25
